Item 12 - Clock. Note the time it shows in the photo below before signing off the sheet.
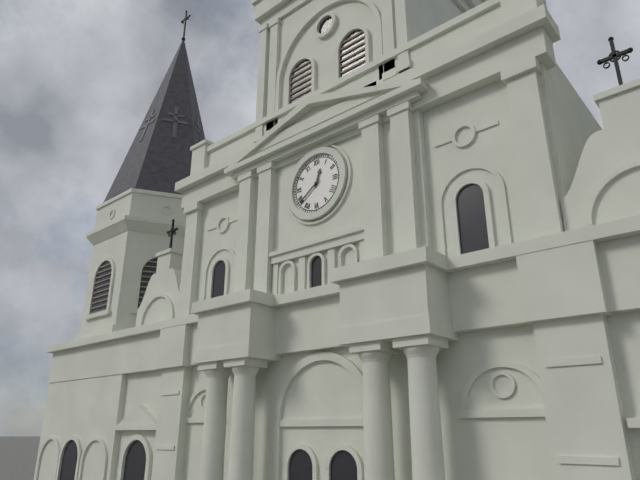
12:39
